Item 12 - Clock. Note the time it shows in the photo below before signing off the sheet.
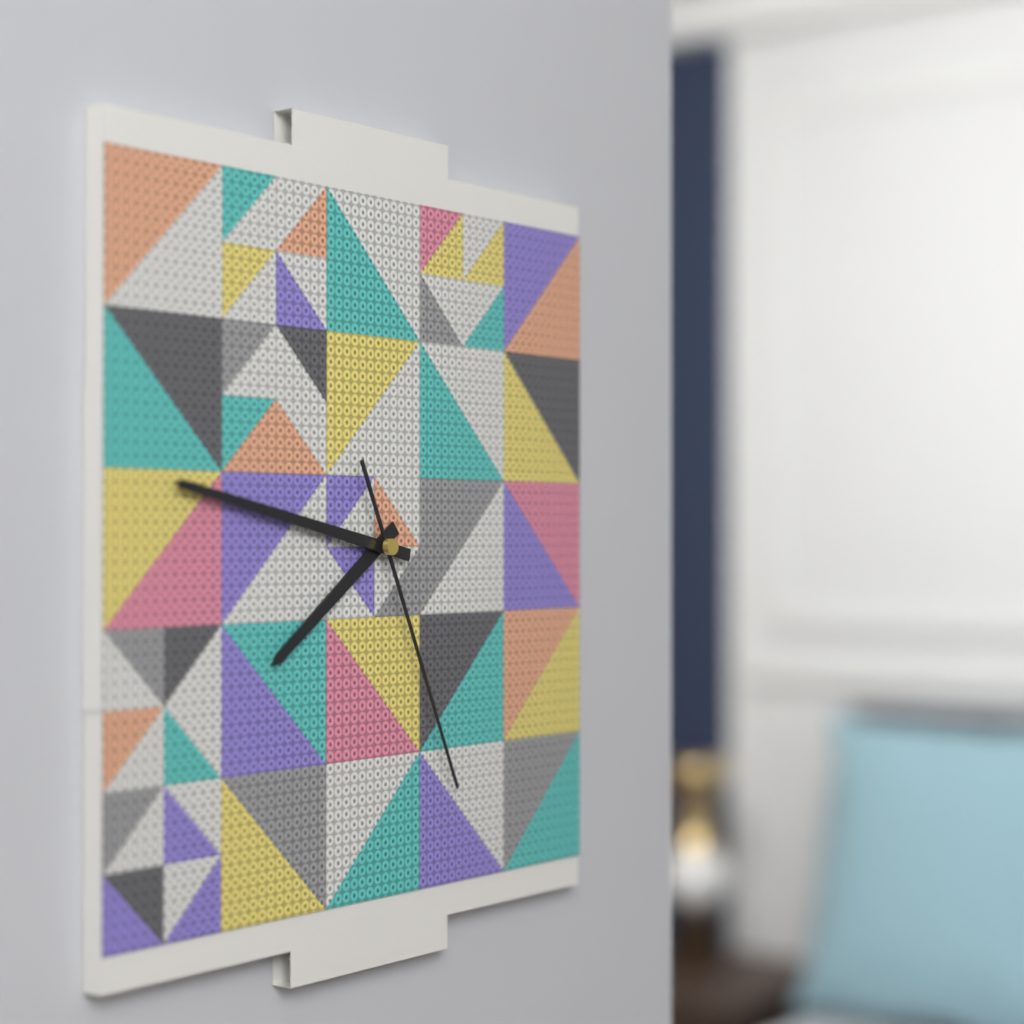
7:47:26
